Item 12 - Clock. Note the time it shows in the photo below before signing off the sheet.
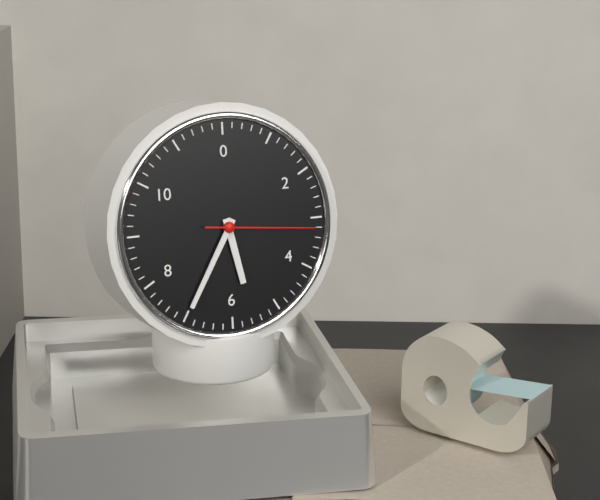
5:35:16
